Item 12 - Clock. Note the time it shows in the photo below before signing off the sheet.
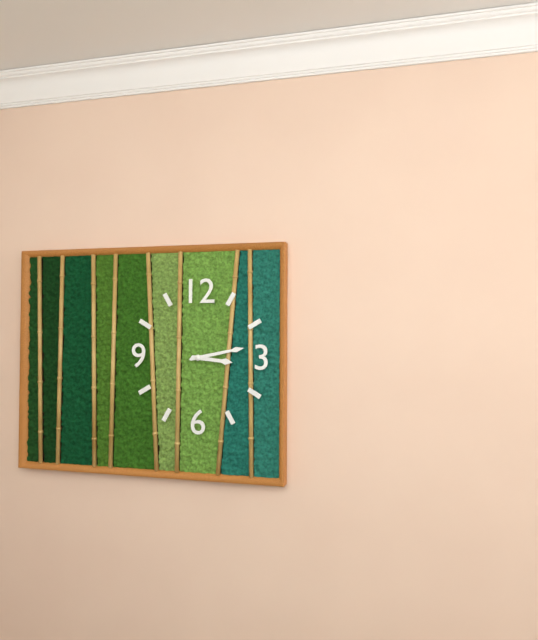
3:13
